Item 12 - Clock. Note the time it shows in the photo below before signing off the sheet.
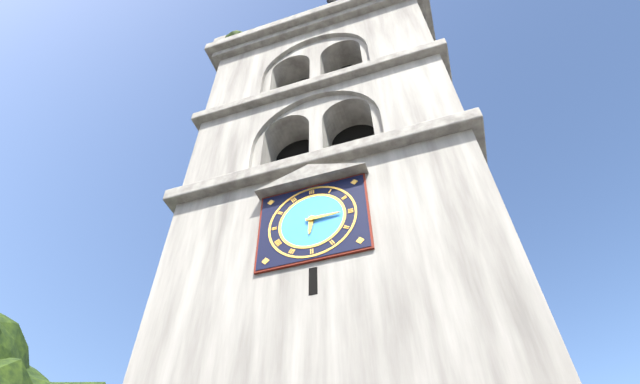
6:15
